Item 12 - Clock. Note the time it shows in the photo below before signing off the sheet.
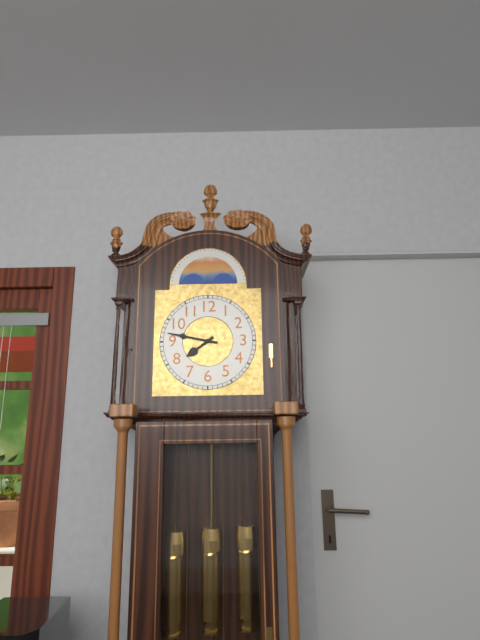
7:47
